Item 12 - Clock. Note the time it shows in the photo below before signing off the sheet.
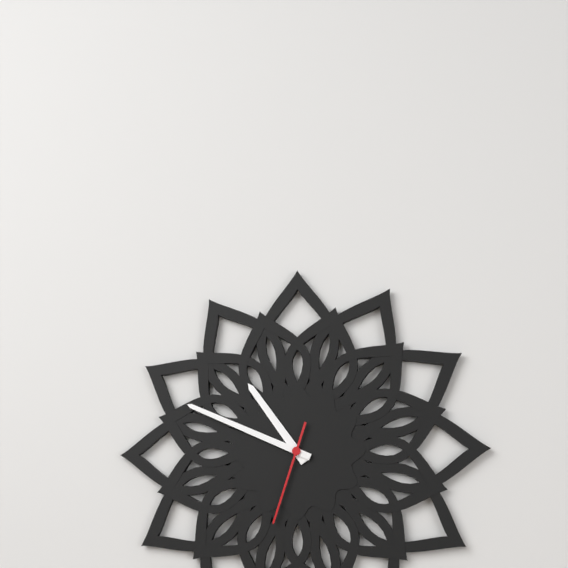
10:49:33
